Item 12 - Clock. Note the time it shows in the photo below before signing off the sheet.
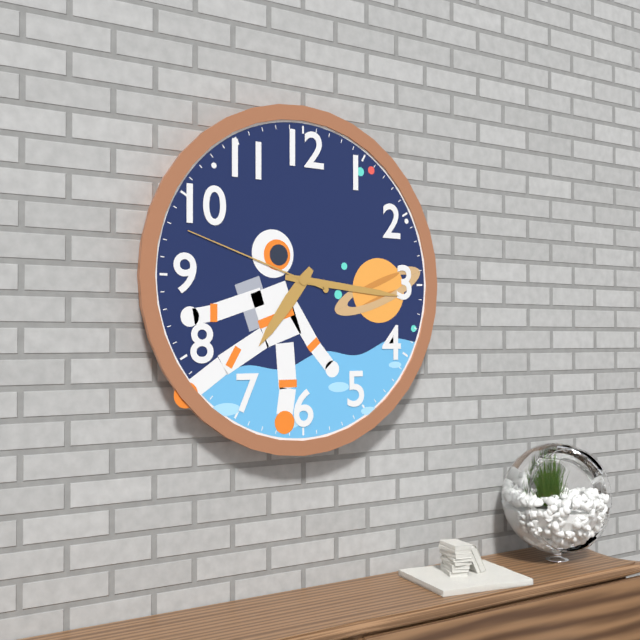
7:16:48
